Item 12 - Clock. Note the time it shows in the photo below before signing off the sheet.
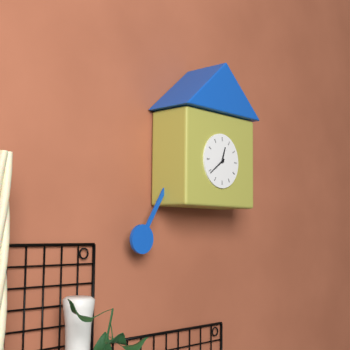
12:39
